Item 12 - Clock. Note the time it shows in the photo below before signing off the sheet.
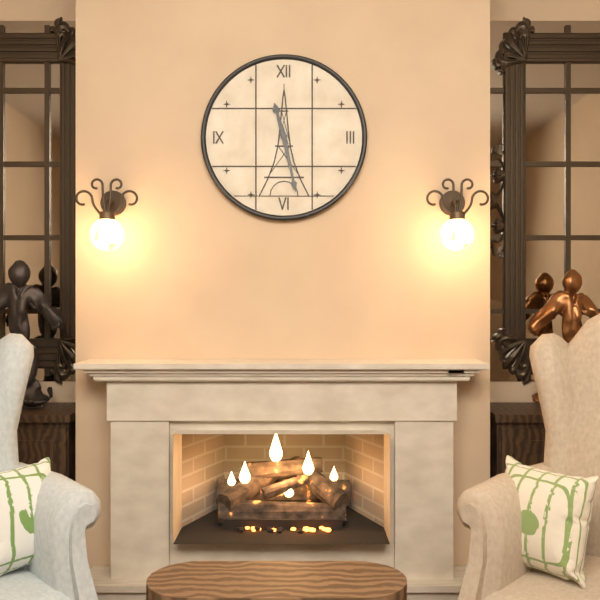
11:28
